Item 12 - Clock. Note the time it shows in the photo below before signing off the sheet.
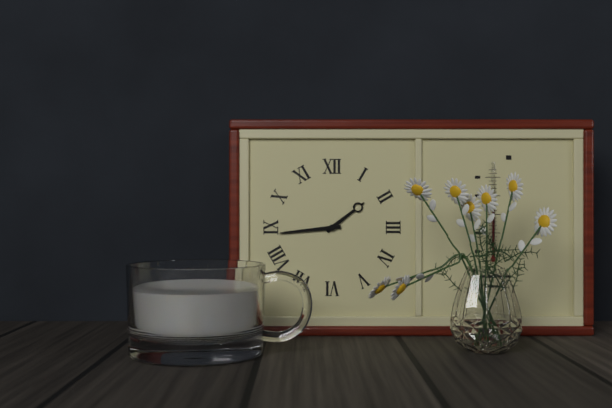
1:44
